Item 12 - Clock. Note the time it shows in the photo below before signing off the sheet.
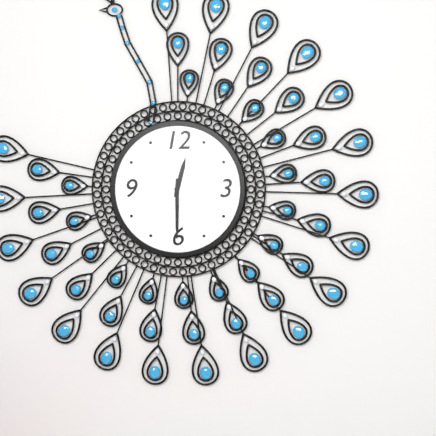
12:30
